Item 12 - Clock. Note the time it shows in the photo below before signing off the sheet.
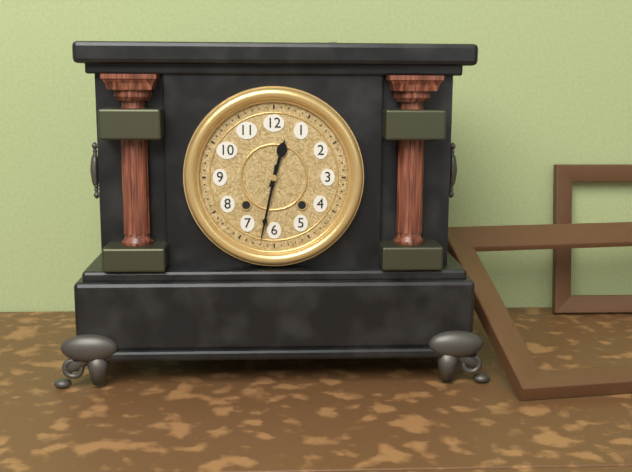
12:32
